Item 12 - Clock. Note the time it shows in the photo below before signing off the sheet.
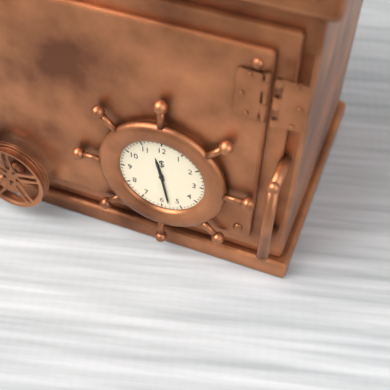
11:28
